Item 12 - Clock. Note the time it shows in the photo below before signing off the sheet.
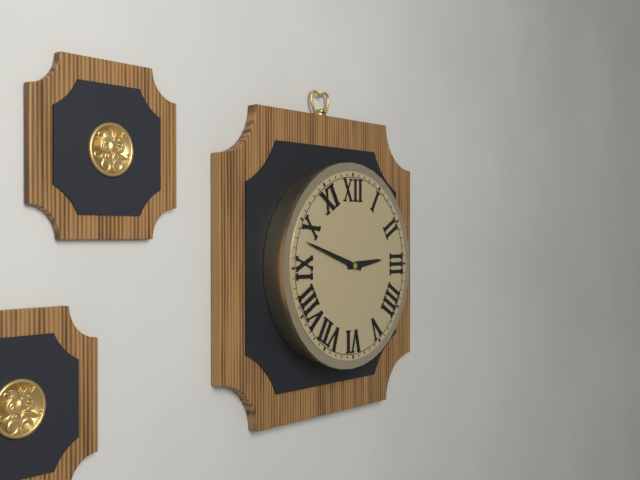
2:48
